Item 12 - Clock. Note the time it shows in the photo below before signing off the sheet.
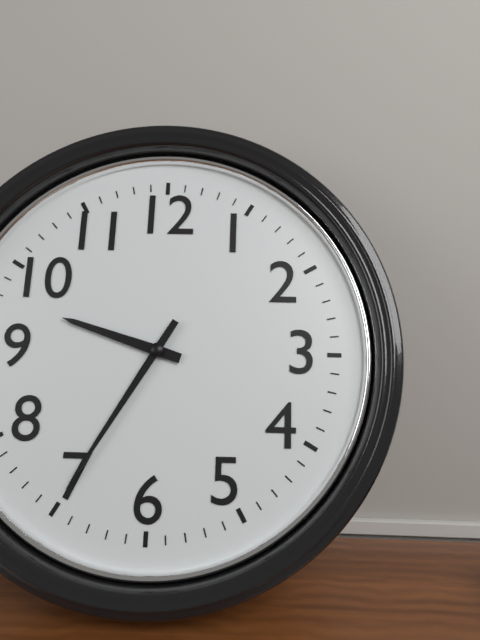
9:35
